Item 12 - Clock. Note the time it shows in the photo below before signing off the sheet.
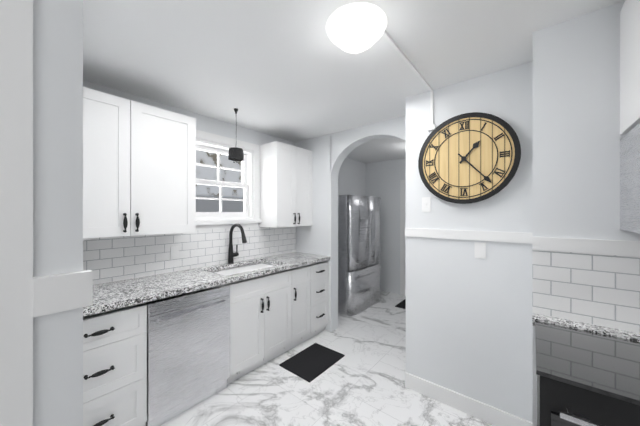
1:23
